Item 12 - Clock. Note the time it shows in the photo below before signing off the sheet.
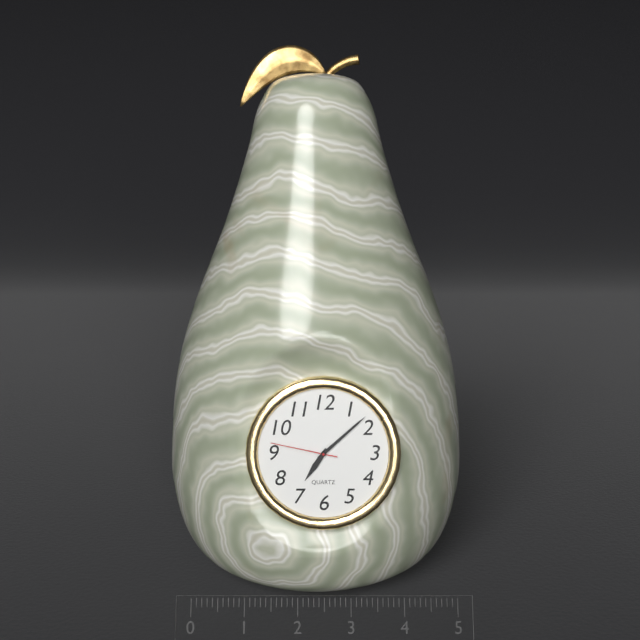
7:08:47
